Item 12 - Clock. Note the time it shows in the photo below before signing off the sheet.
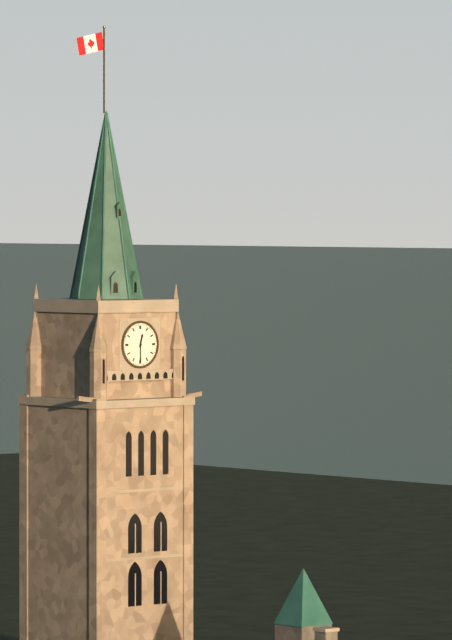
12:30
